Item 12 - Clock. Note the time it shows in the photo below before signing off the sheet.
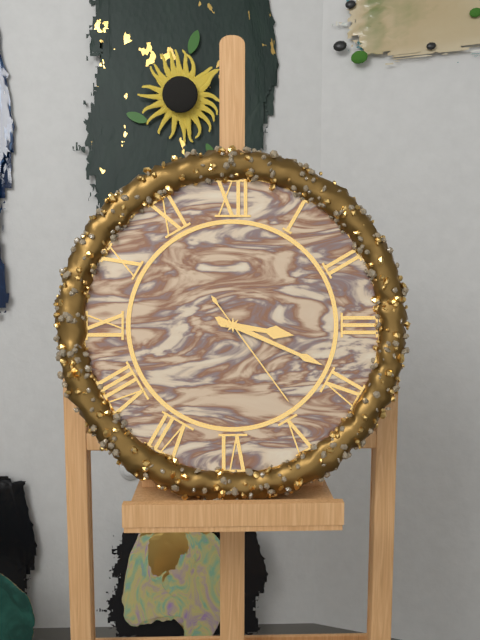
3:19:24
